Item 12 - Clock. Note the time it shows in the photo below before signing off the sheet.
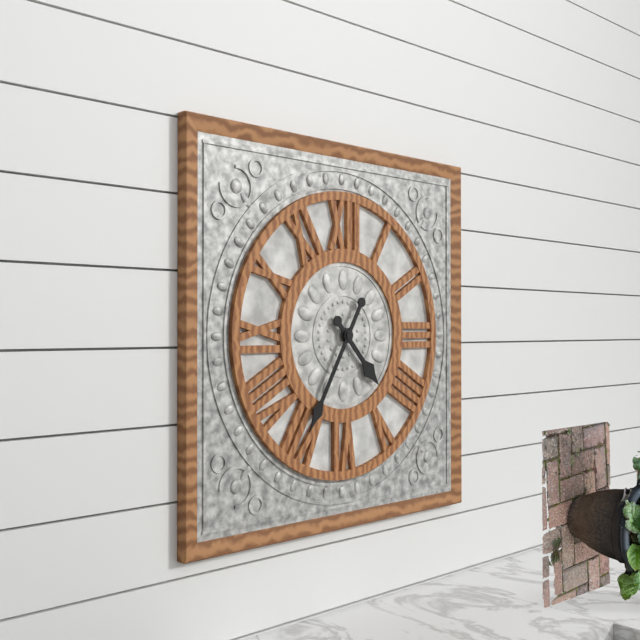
4:35
